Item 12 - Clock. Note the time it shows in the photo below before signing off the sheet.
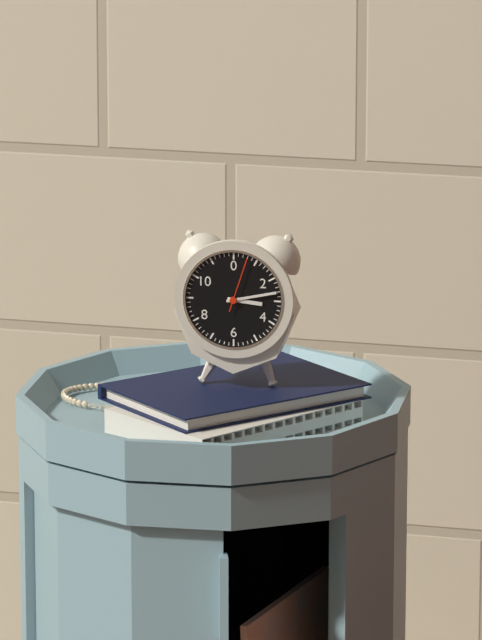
3:13:03
